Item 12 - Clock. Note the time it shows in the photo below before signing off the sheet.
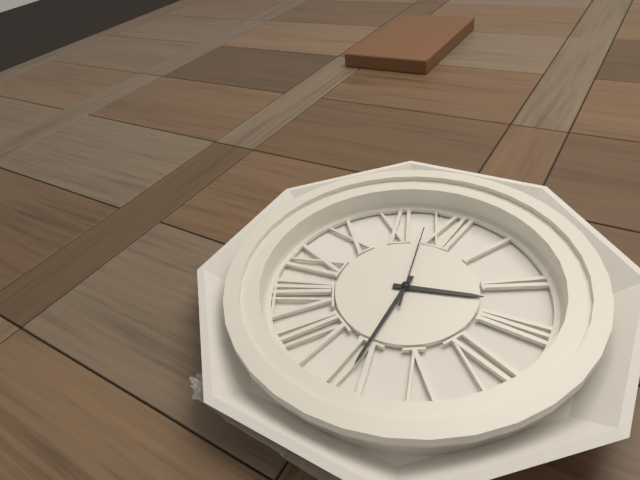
2:30:58
